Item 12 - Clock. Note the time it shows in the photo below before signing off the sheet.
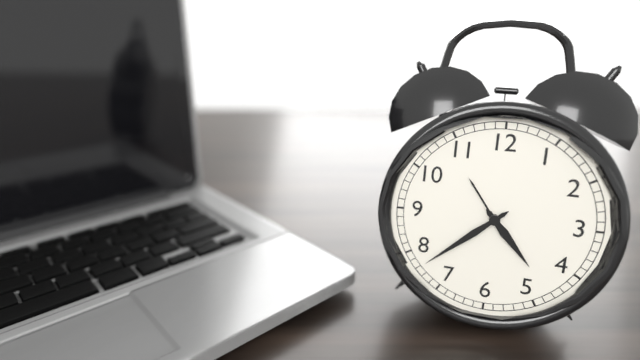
4:38
